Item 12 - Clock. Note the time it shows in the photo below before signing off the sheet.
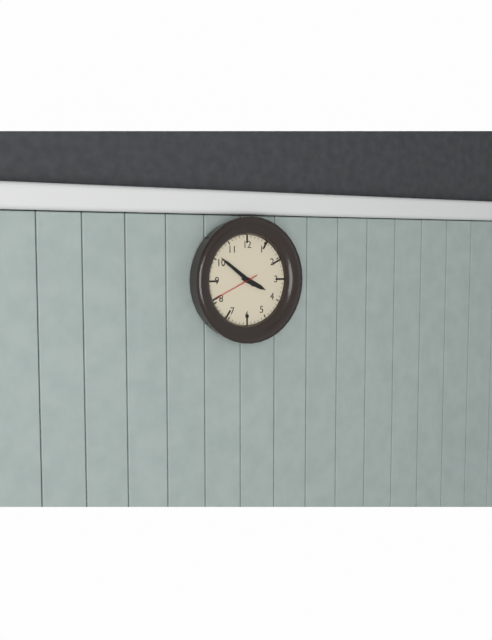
3:51
